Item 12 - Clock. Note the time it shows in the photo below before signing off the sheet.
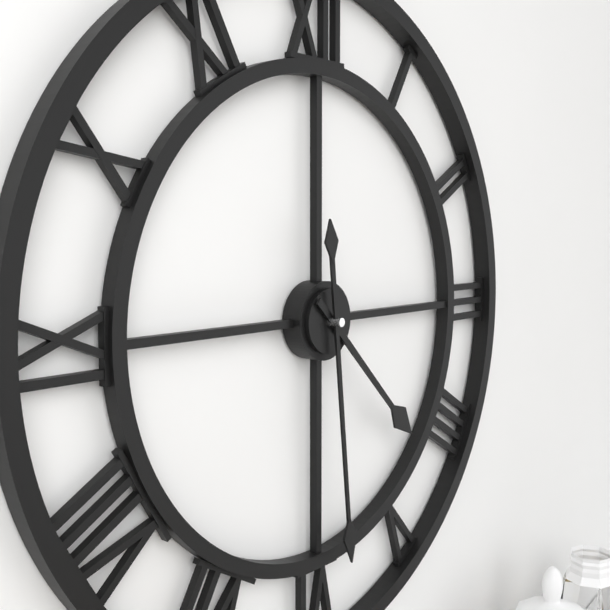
4:29
